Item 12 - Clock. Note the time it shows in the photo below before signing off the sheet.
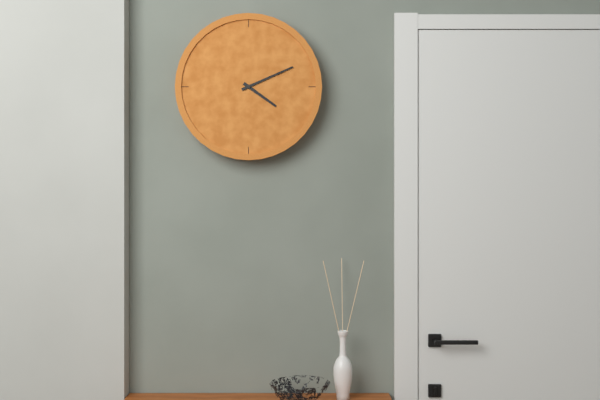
4:11
